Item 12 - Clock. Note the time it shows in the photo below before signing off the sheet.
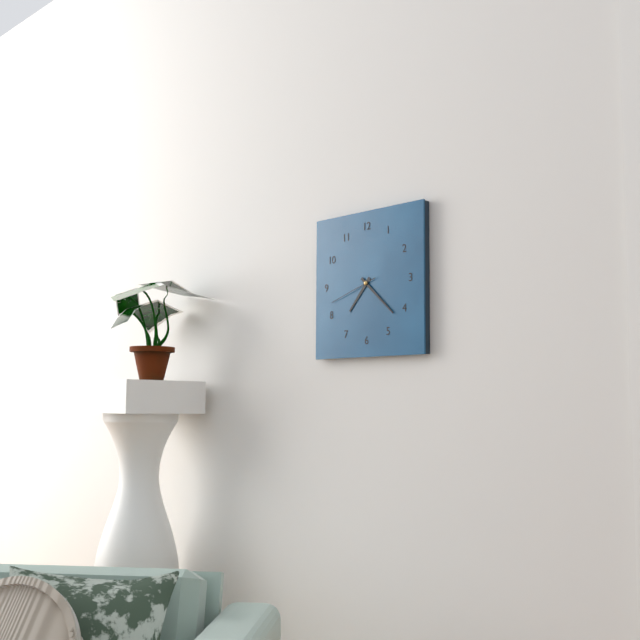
7:22
